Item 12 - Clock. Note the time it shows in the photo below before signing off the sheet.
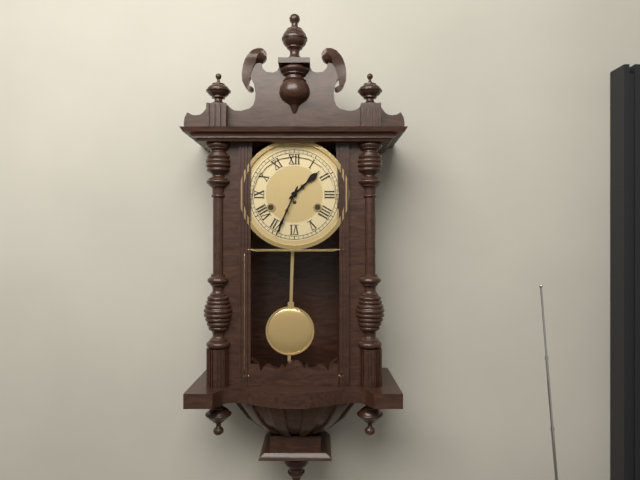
1:34
